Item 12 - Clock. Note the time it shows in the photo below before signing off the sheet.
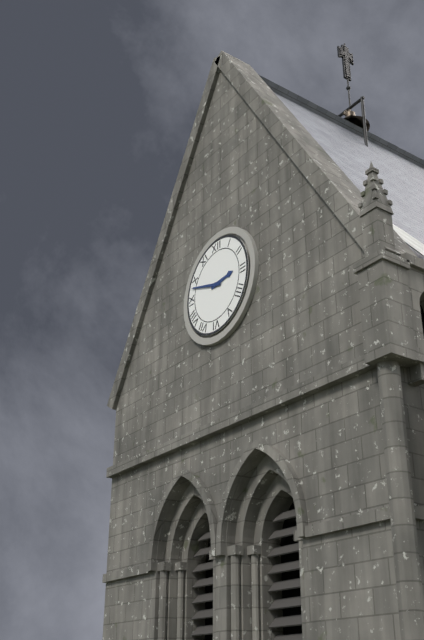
2:48
